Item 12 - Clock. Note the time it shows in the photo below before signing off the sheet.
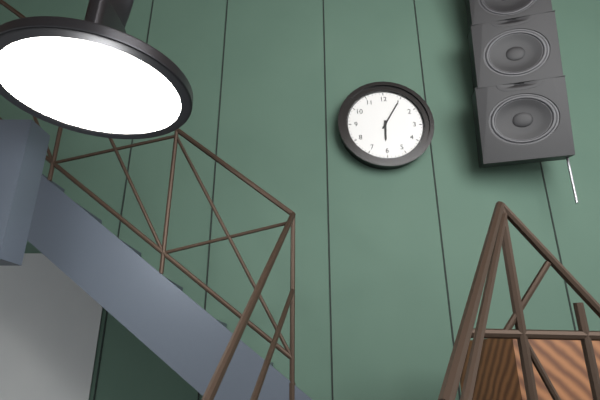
6:05
